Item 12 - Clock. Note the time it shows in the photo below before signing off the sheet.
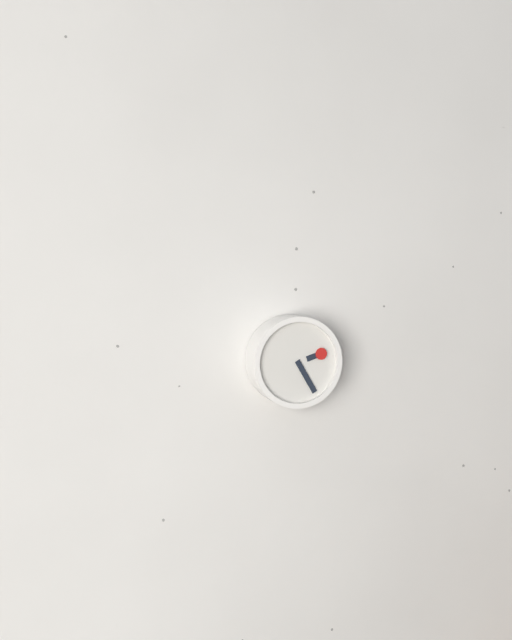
2:25
